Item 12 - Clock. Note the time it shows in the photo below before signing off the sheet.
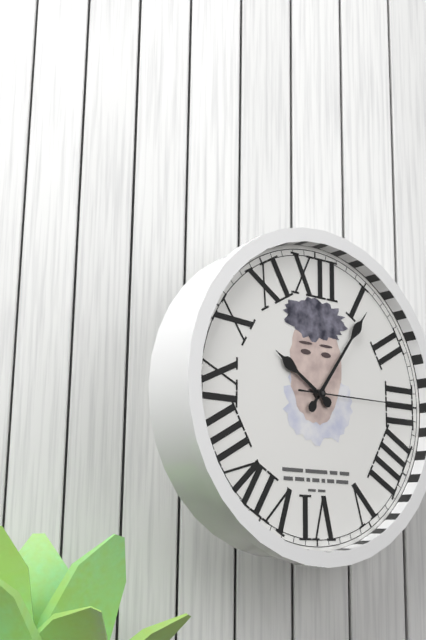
10:06:15
